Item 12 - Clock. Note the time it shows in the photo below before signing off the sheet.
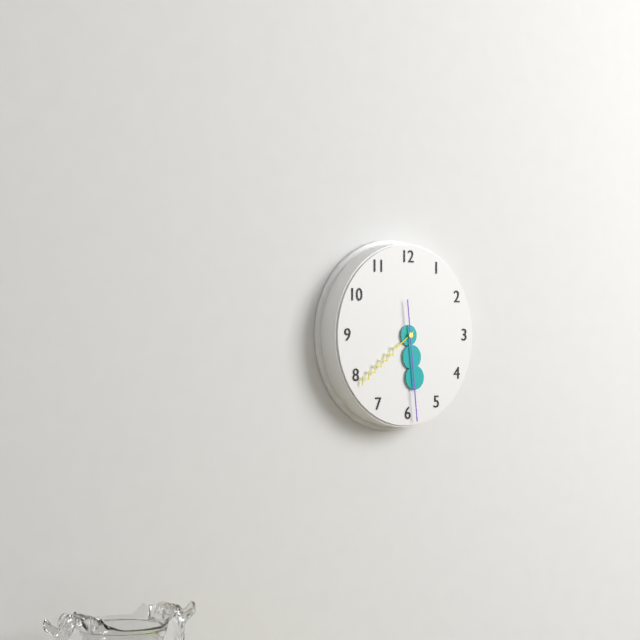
5:39:29
